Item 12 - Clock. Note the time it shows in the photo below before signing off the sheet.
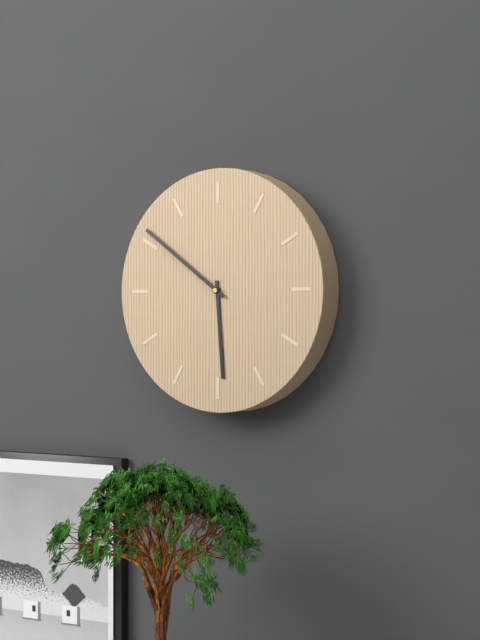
5:51
